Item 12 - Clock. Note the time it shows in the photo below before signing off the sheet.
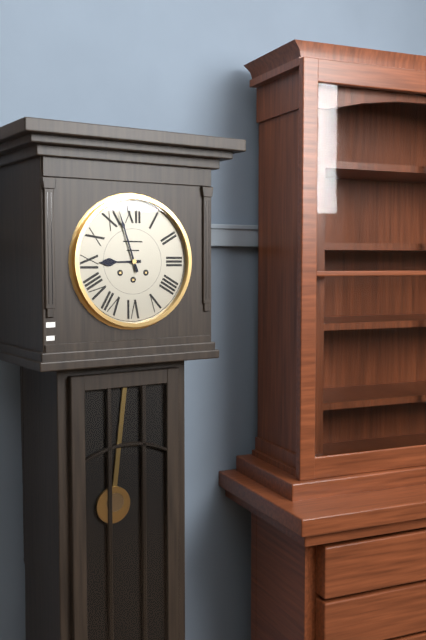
8:57
